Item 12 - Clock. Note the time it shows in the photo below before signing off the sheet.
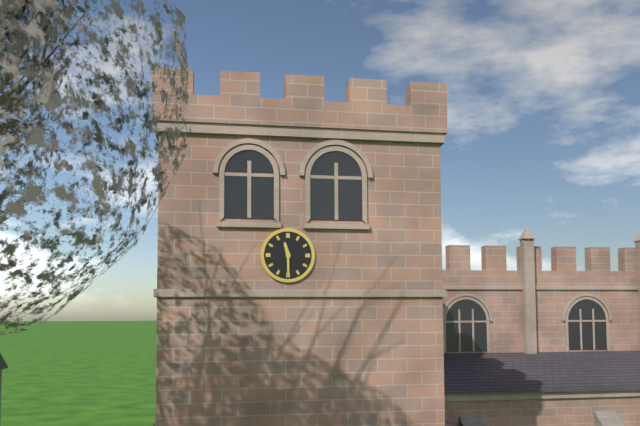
11:30
